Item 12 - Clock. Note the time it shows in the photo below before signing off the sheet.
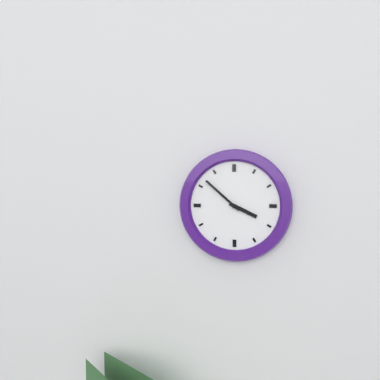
3:52
